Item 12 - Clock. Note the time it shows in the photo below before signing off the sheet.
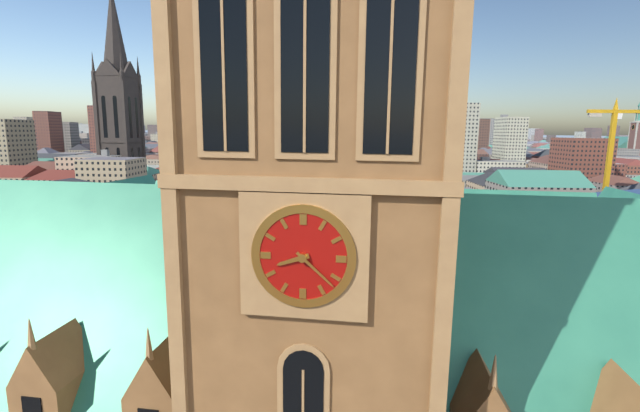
8:22
